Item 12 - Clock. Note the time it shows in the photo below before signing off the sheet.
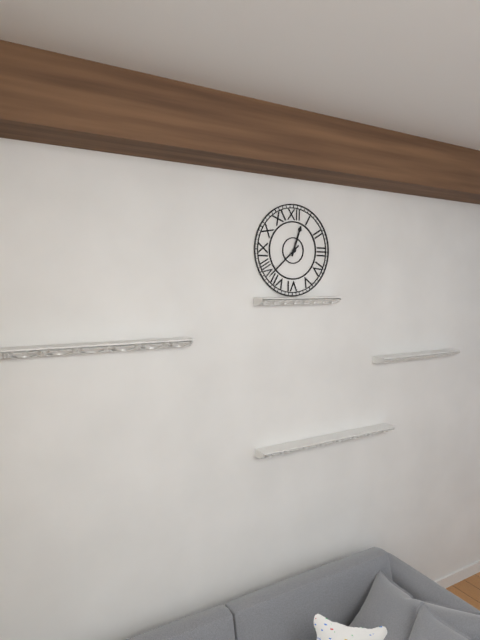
12:38
